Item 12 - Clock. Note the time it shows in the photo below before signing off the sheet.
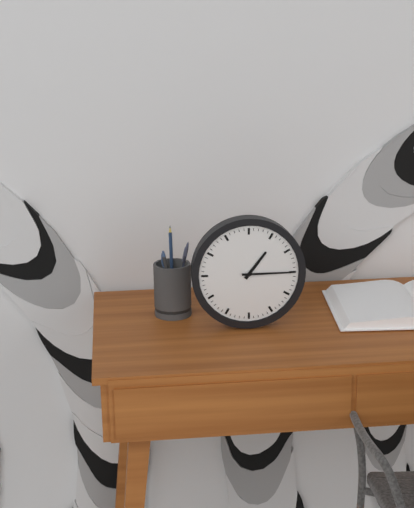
1:15
